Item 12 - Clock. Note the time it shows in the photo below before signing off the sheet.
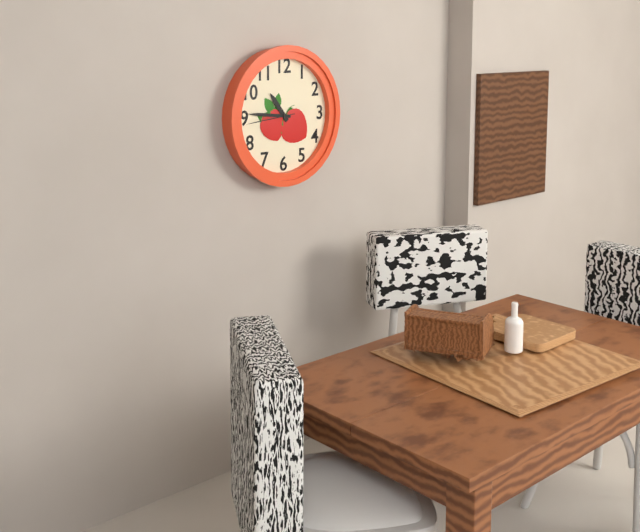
10:46
